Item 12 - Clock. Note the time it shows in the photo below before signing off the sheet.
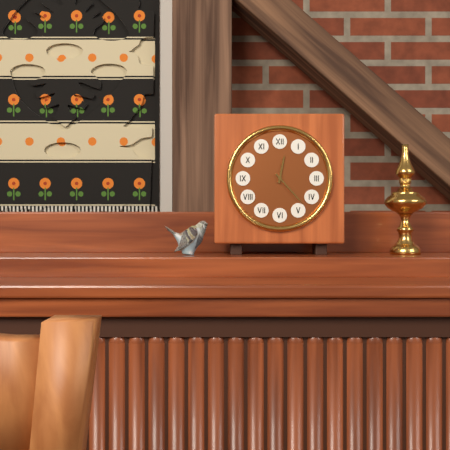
12:23
